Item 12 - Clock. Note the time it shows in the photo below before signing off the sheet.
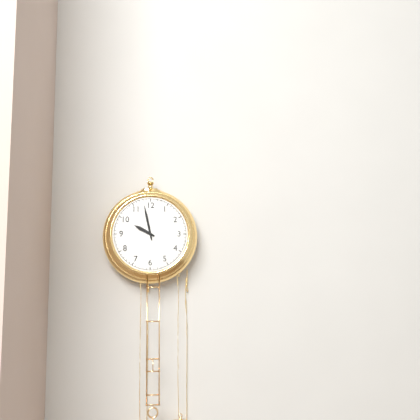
9:58
